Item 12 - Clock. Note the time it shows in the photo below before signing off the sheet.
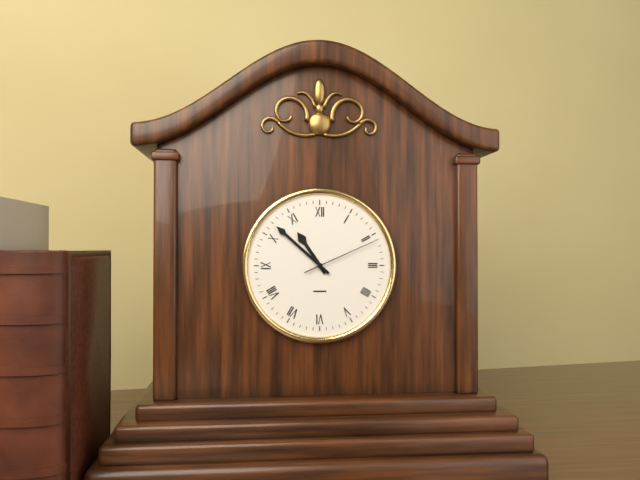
10:52:11
